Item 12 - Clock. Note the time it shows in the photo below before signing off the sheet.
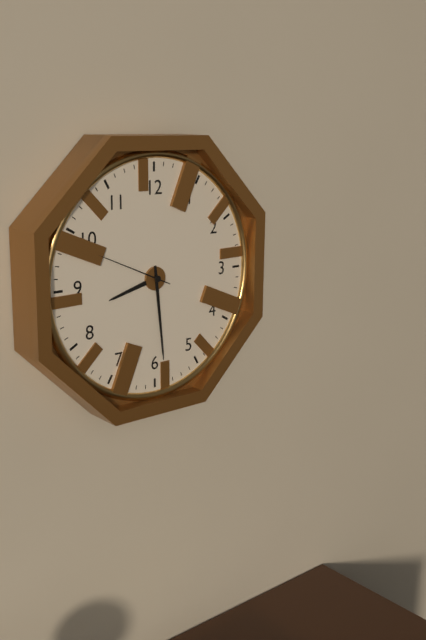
8:29:49
